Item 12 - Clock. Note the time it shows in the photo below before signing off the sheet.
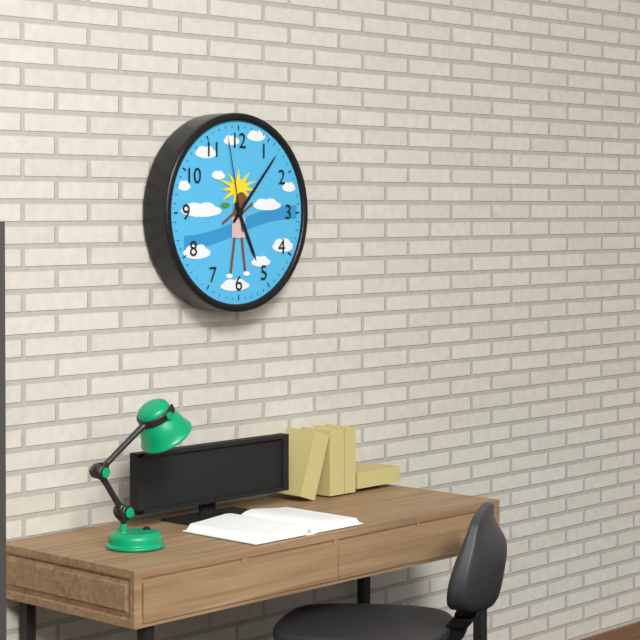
5:07:58
